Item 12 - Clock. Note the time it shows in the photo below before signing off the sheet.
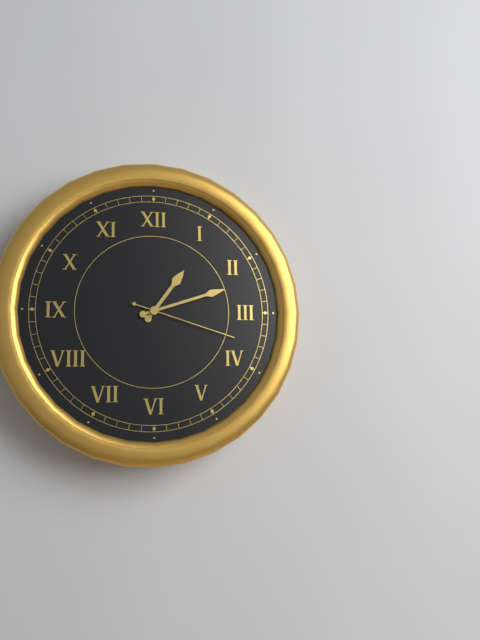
1:12:18
